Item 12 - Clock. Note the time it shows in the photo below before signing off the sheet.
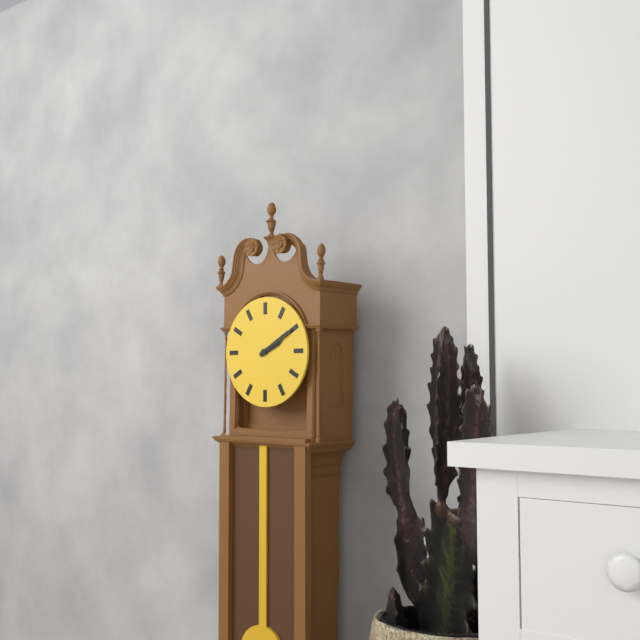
2:10
